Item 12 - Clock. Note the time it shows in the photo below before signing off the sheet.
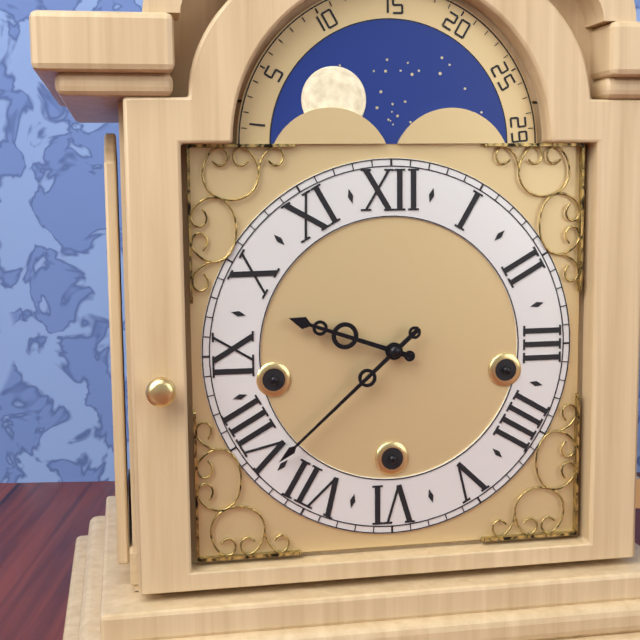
9:38
